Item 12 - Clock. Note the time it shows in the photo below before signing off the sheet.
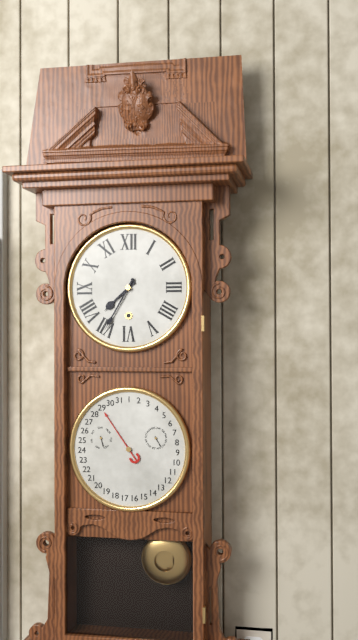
7:35
